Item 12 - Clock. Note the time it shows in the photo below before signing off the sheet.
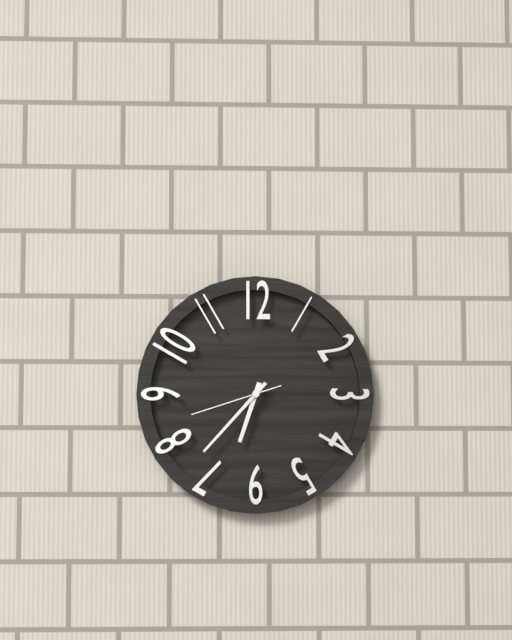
6:37:42
